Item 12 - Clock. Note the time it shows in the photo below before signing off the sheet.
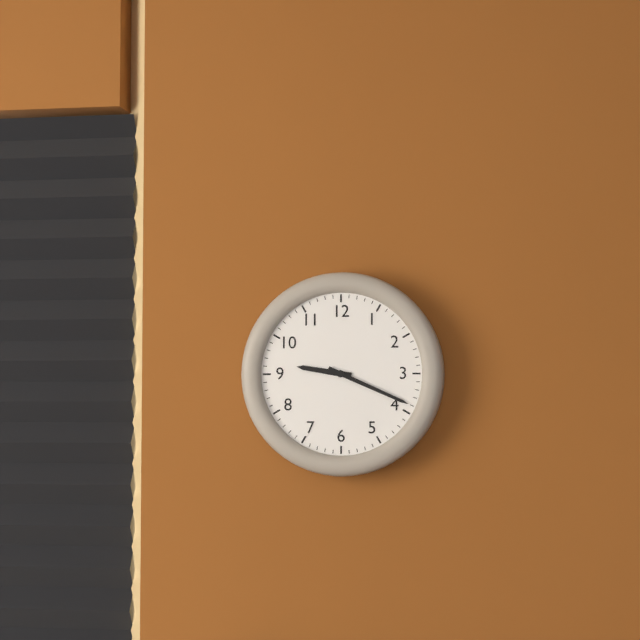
9:19
